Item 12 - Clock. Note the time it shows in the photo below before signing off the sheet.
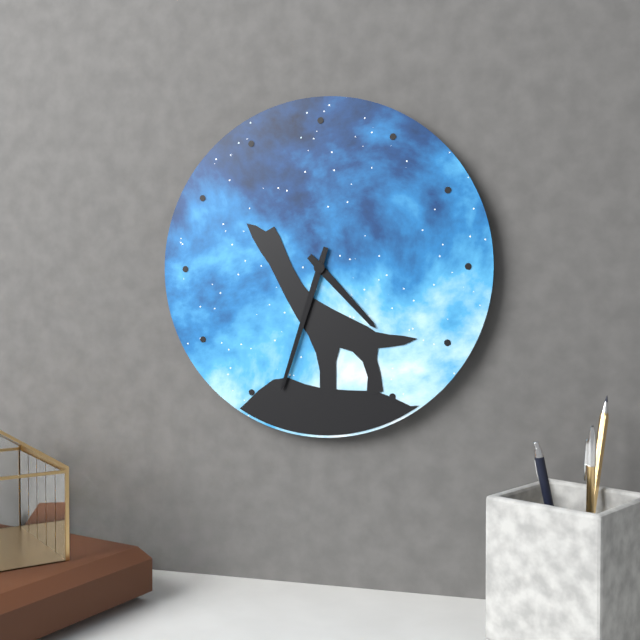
4:33
